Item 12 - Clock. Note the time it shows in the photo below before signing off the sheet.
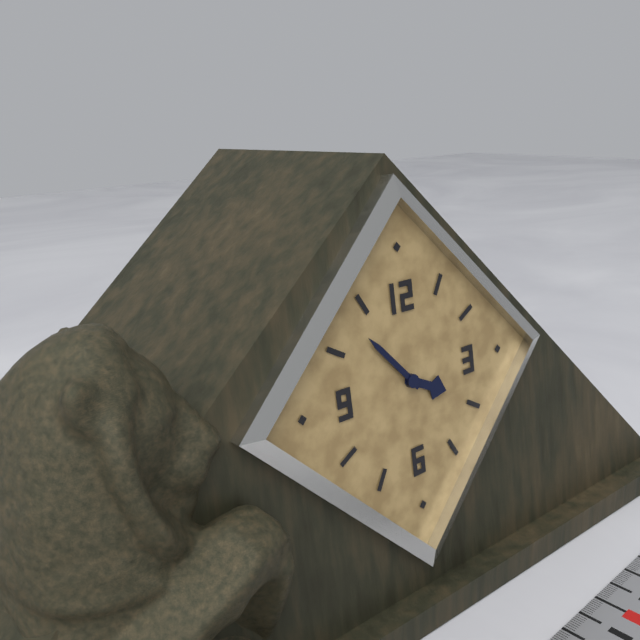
3:53
